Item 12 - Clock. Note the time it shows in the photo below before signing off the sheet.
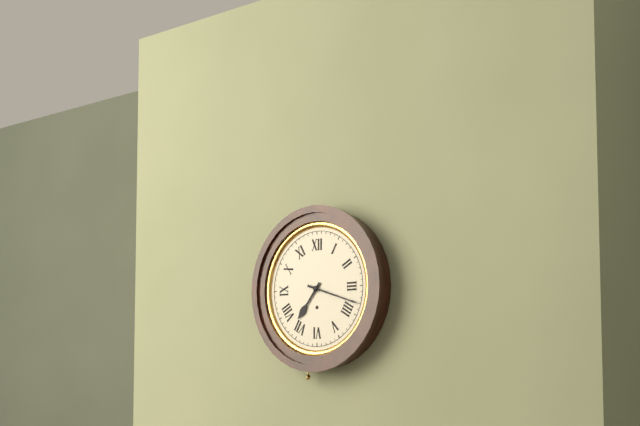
7:18
